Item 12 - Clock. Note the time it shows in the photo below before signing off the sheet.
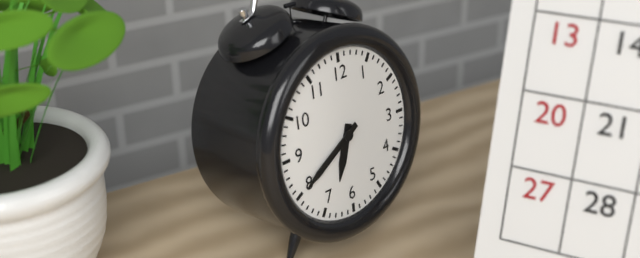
6:40
